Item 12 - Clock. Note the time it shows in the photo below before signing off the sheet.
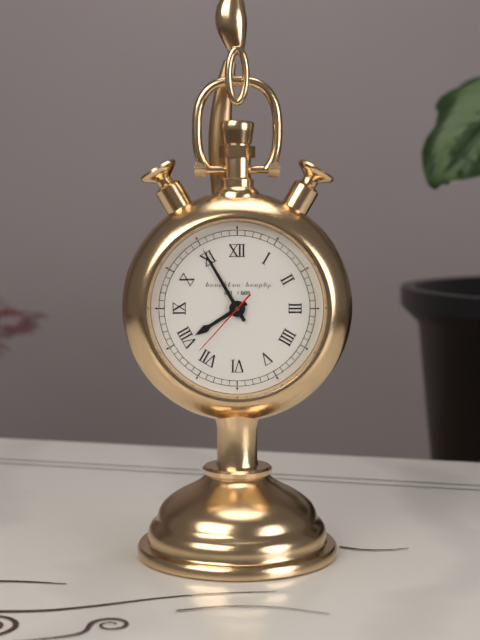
7:55:37
